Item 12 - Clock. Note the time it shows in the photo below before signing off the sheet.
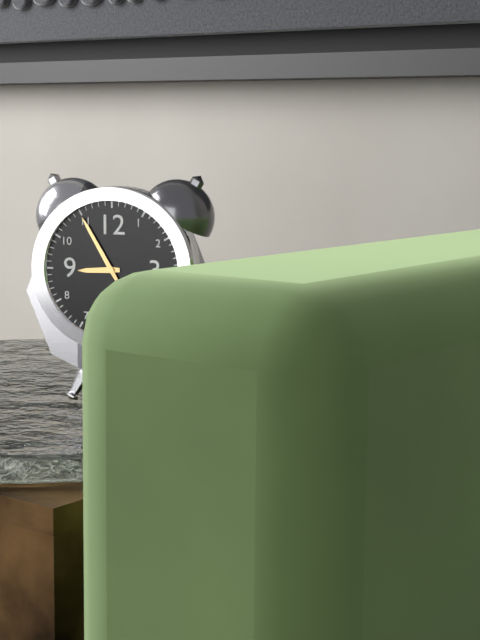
8:55
